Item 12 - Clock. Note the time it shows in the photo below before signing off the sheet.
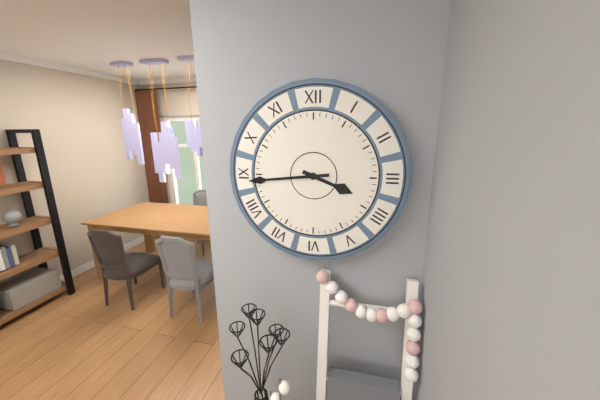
3:44
